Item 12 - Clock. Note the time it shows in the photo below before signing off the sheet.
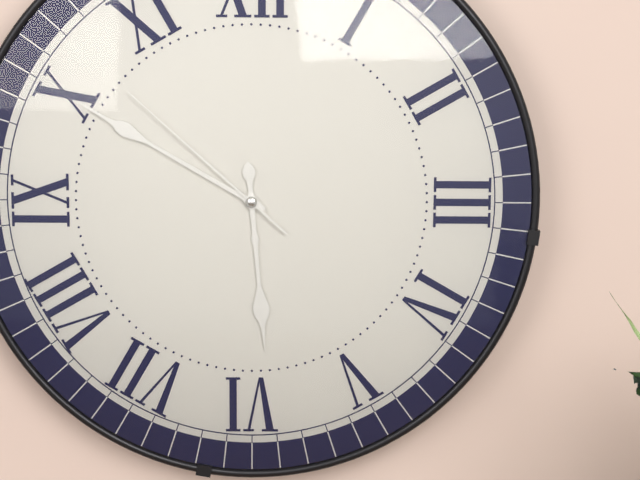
5:50:52
